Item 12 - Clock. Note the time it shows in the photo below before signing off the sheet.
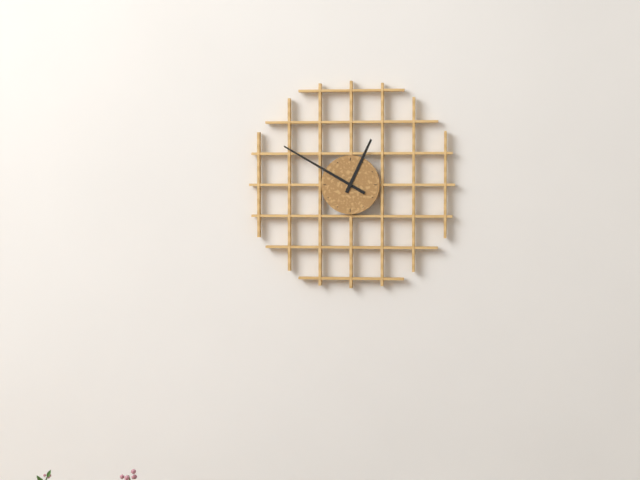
12:50
